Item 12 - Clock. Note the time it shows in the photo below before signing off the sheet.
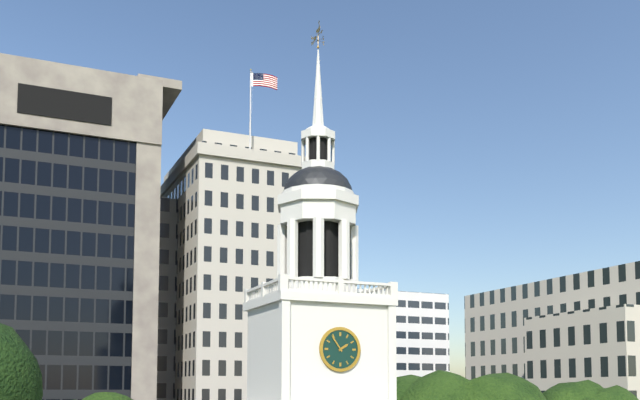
1:54
